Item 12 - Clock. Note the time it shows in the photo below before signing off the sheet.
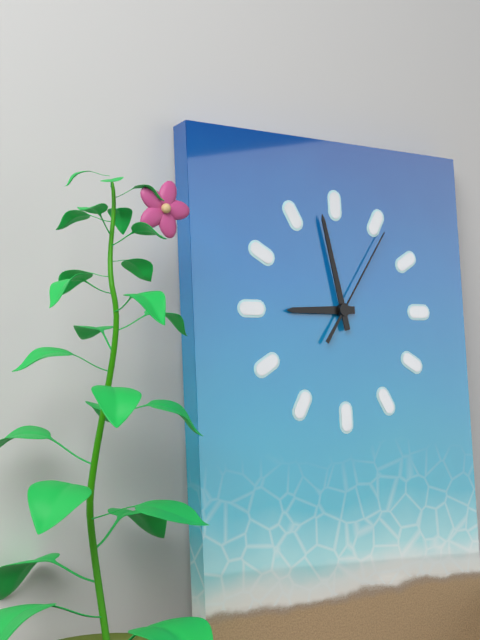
8:58:06
